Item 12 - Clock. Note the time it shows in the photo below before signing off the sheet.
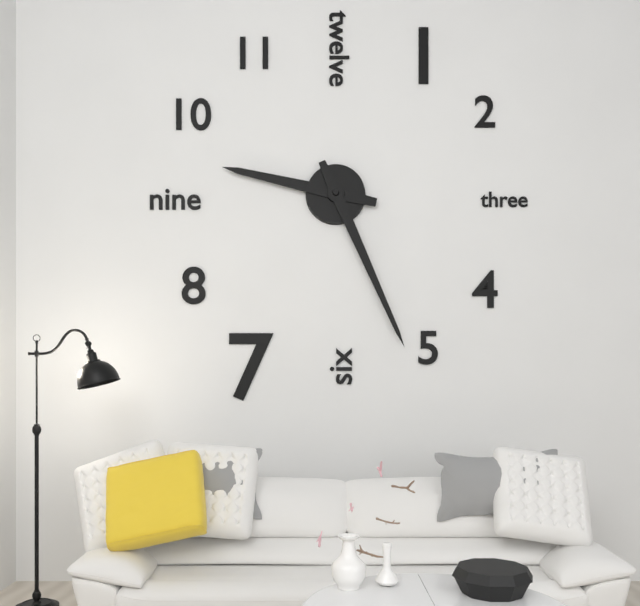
9:26
